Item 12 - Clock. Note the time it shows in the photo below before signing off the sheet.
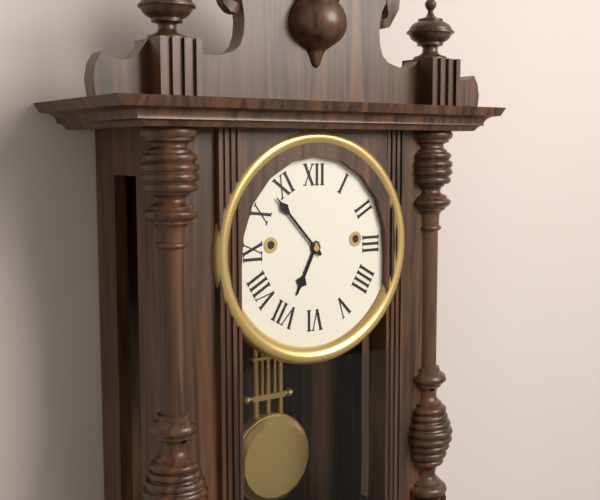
6:53
